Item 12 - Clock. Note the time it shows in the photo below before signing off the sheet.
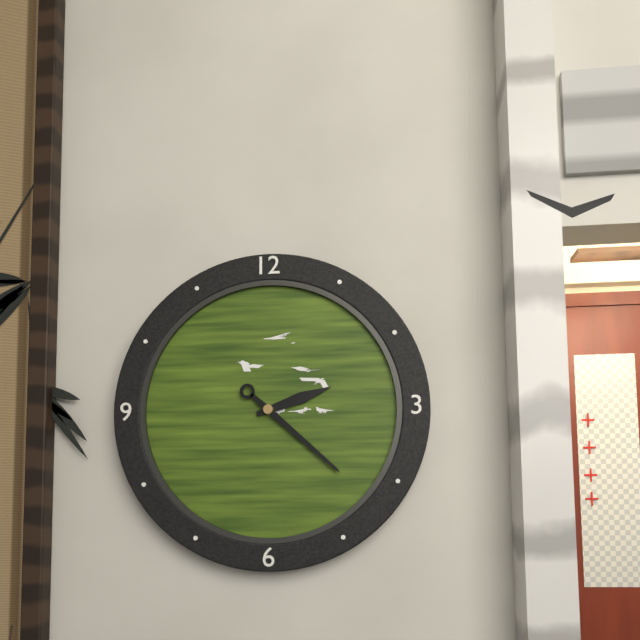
2:22
